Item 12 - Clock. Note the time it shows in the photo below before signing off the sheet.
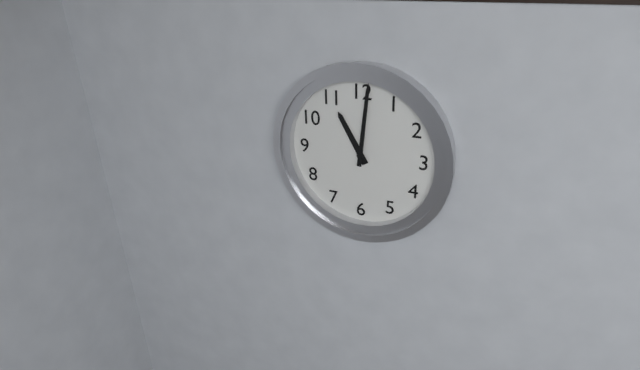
11:01
